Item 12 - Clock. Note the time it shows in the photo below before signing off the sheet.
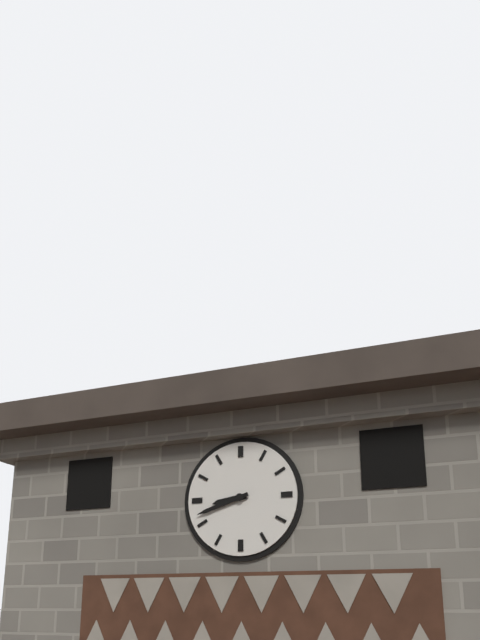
8:42
